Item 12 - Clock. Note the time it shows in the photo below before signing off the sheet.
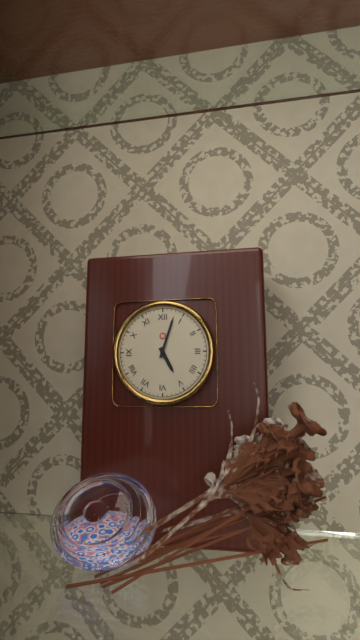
5:03
